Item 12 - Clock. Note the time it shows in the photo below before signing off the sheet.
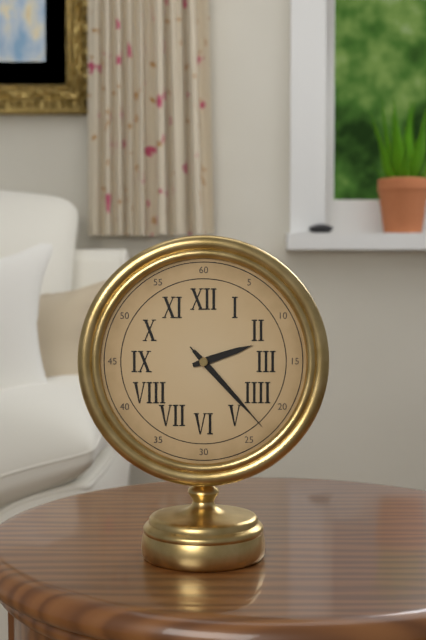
2:23:23
